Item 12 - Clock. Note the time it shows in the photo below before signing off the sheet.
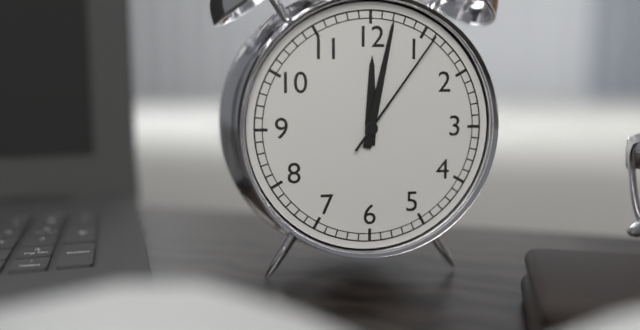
12:02:06
